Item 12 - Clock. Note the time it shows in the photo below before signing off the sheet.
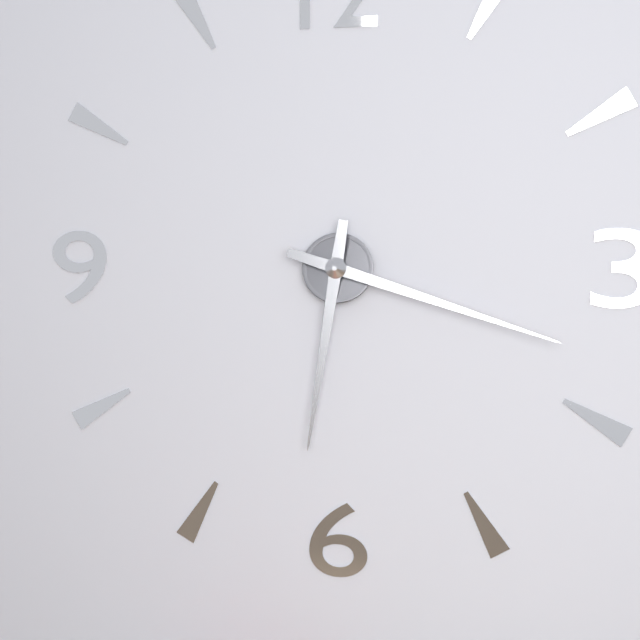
6:18
